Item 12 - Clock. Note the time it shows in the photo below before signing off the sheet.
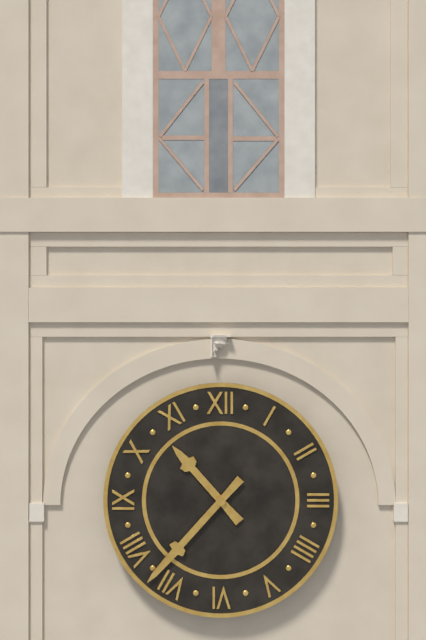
10:37
